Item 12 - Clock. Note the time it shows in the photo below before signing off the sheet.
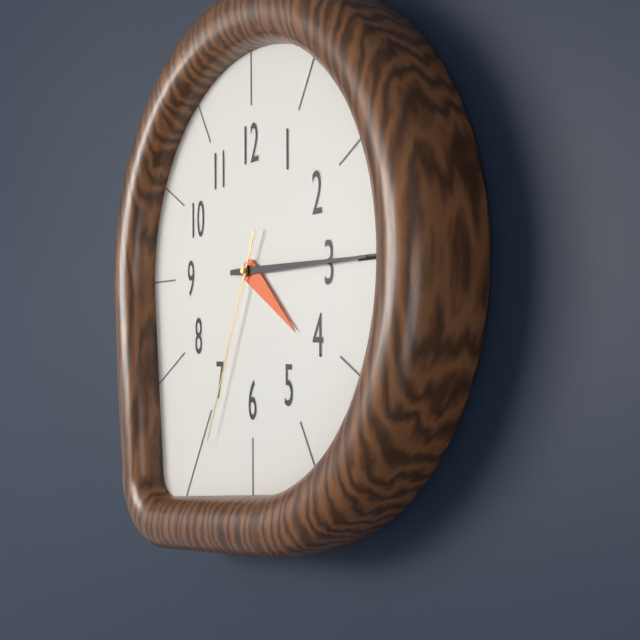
4:15:34
